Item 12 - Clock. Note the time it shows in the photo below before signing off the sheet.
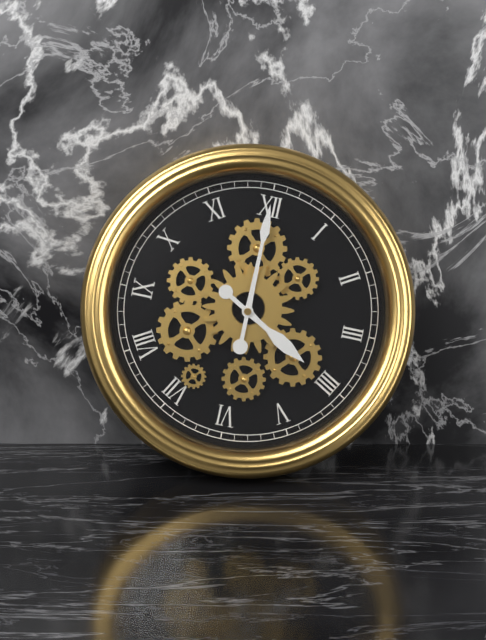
4:00
